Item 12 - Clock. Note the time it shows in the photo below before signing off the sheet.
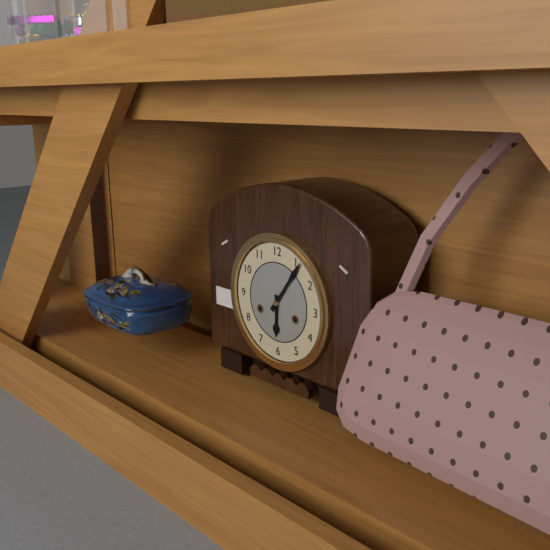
6:06
